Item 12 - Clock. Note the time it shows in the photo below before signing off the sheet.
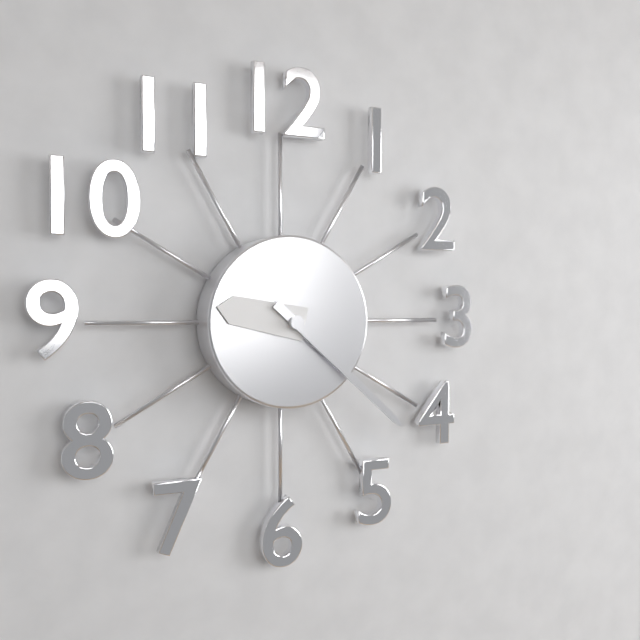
9:22
